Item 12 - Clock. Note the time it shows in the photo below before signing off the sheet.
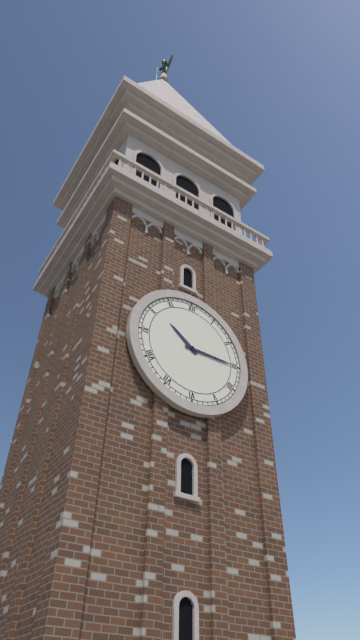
10:15
